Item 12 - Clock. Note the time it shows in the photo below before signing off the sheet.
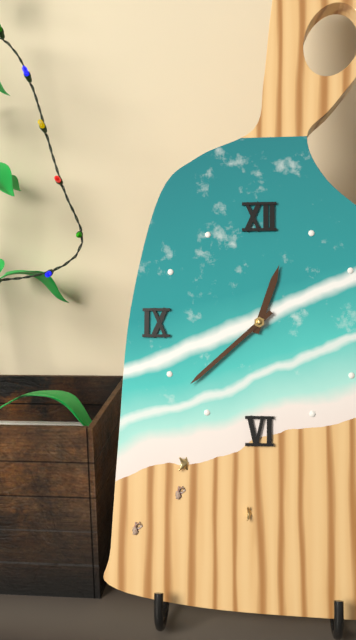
12:38
